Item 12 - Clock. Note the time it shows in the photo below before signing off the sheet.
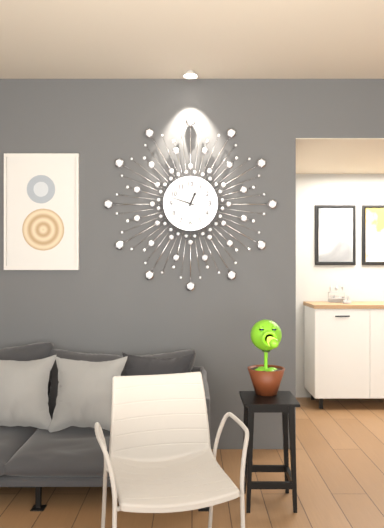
12:48
